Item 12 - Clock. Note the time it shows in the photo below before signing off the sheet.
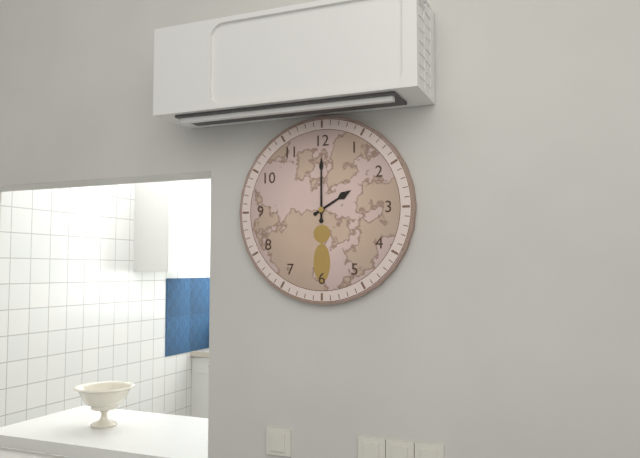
2:00
